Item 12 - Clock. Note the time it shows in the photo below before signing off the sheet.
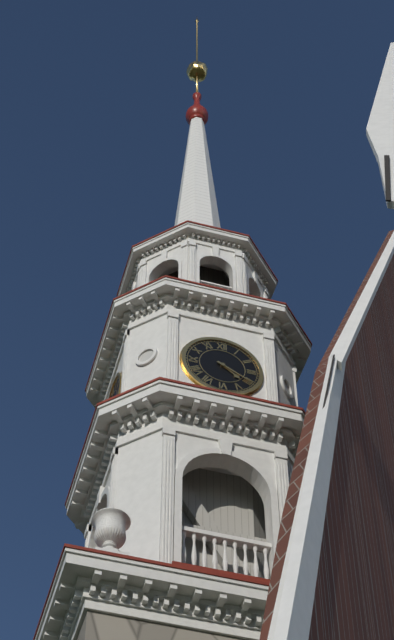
4:20
